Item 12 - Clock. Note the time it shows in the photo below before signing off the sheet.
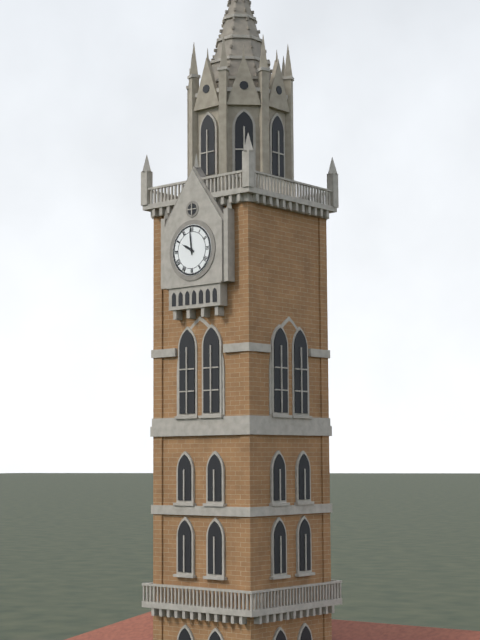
9:59
